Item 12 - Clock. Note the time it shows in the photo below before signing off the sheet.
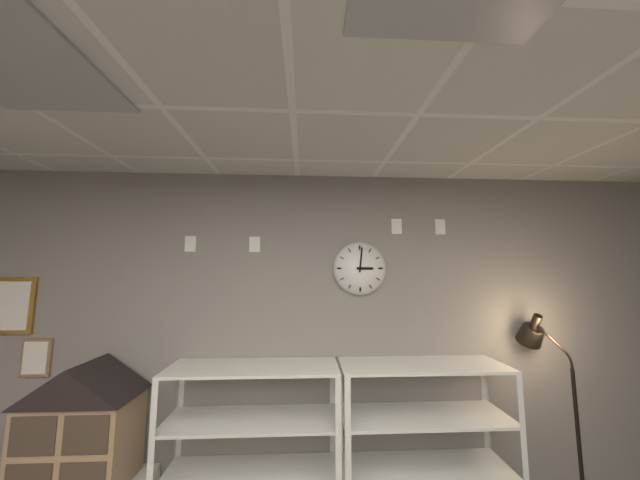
3:01
